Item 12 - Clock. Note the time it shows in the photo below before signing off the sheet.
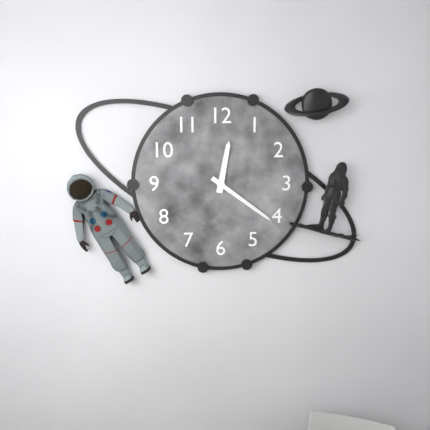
12:21
